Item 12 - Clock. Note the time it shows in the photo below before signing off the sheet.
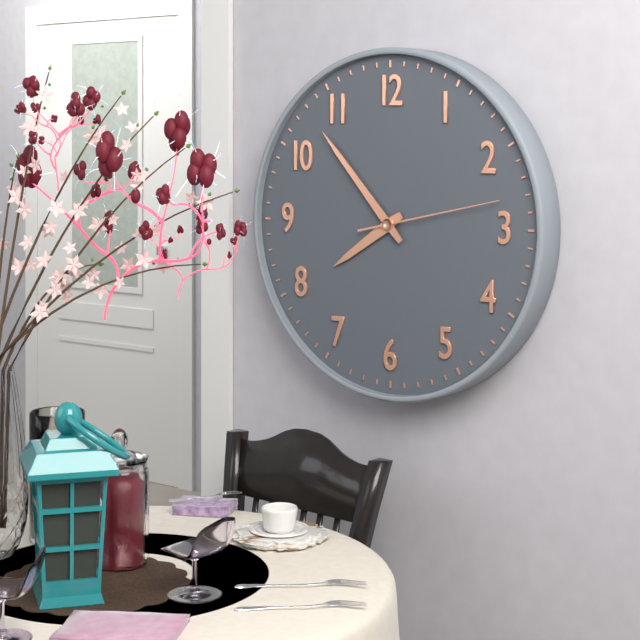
7:53:13
